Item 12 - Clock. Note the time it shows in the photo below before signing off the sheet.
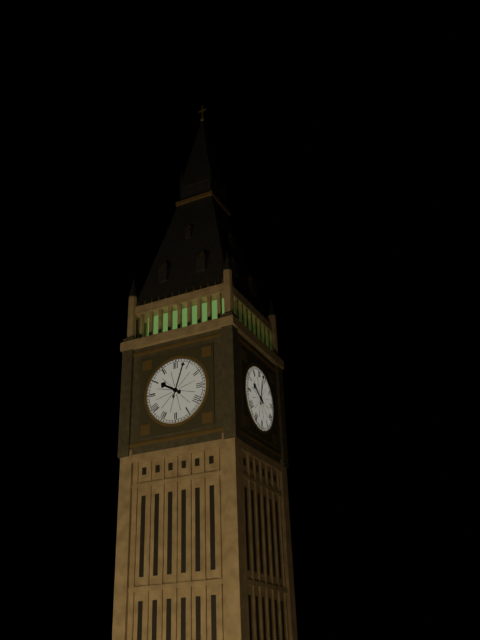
10:03
